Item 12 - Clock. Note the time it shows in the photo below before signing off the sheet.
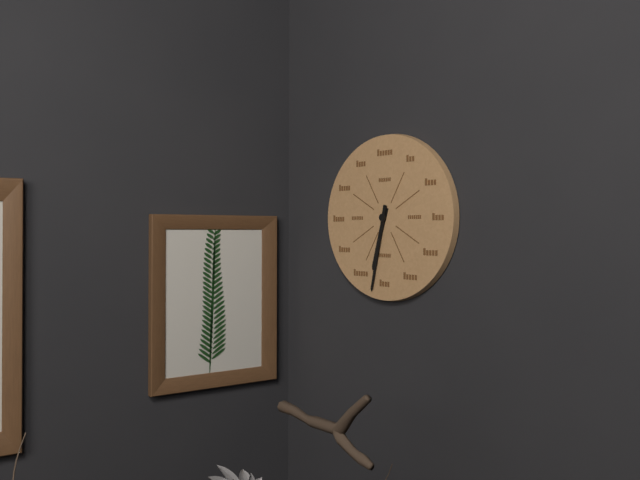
6:32
